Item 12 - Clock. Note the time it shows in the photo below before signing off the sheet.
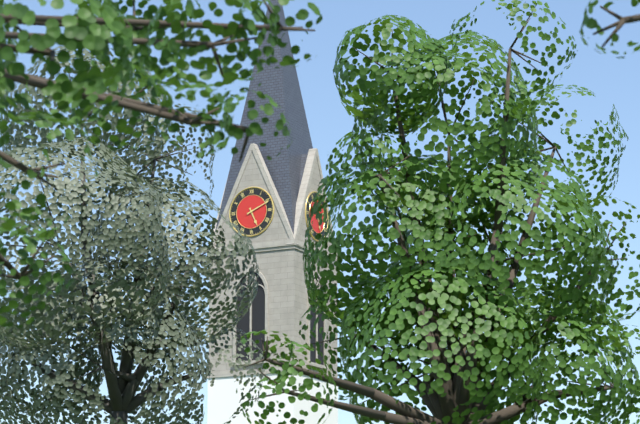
5:11
